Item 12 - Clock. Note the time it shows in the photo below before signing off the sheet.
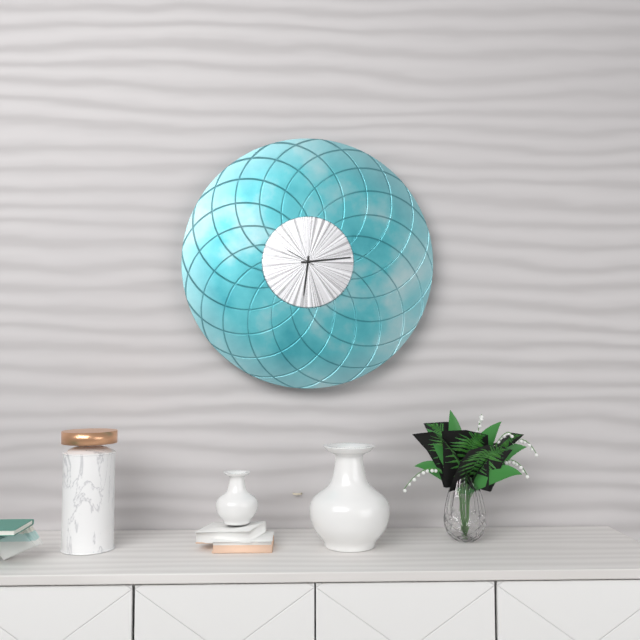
6:14
